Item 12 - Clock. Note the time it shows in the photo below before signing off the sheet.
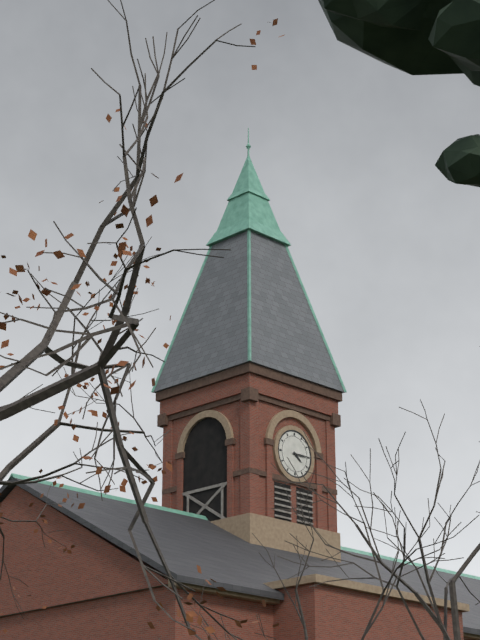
4:15
